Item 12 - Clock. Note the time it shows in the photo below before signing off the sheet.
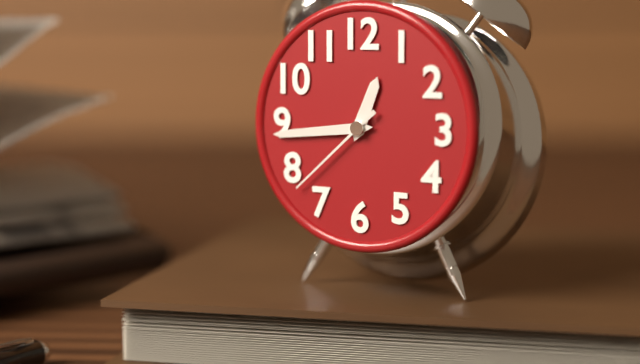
12:44:38
